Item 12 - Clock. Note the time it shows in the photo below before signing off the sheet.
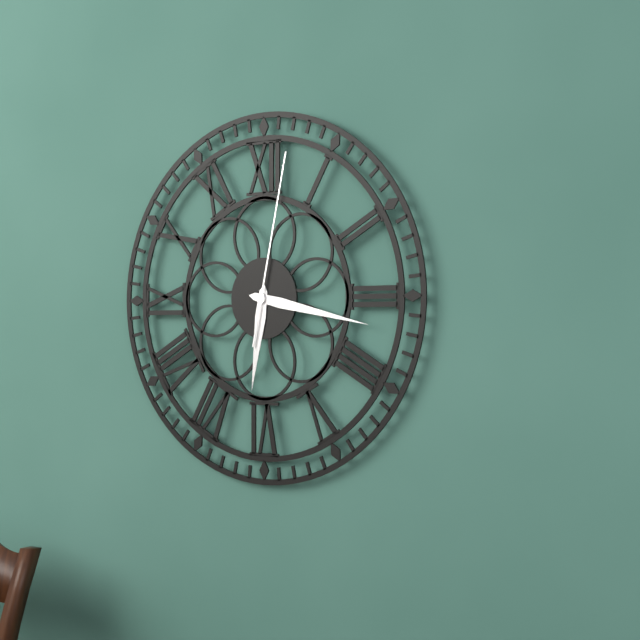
6:17:02
